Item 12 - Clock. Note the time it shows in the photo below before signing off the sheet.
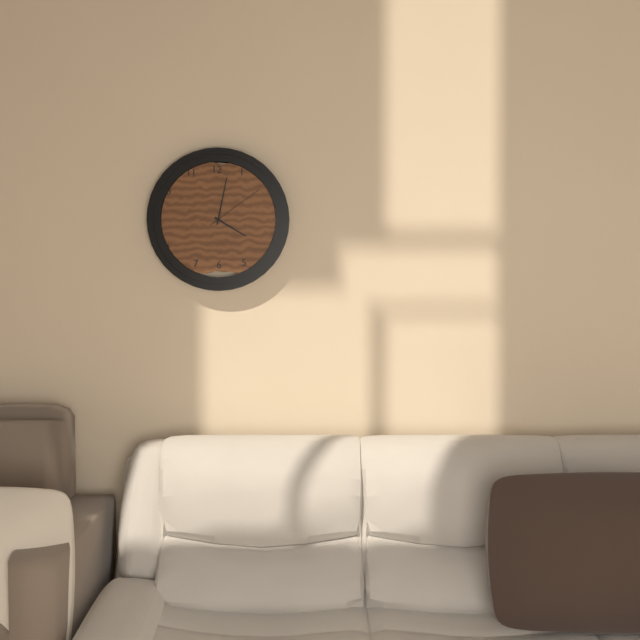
4:02:09
